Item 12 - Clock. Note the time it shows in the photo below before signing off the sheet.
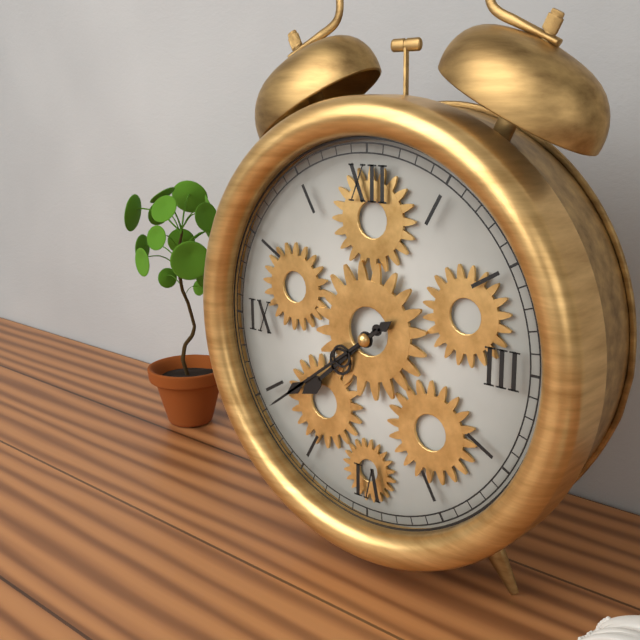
7:39
